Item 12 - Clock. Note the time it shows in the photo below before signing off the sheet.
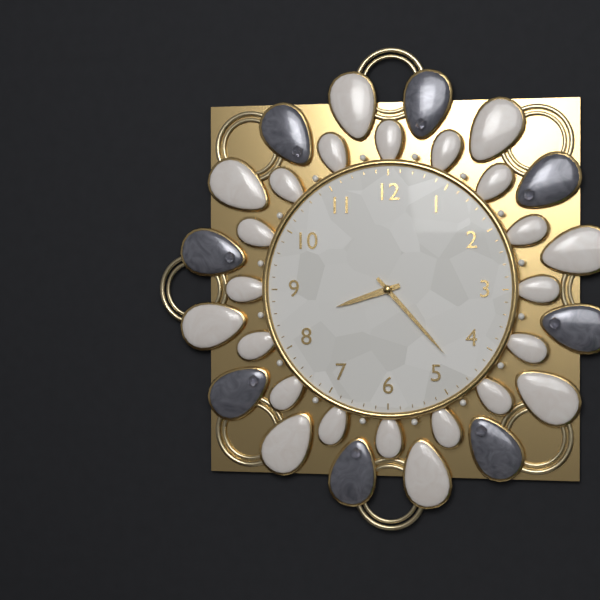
8:23
